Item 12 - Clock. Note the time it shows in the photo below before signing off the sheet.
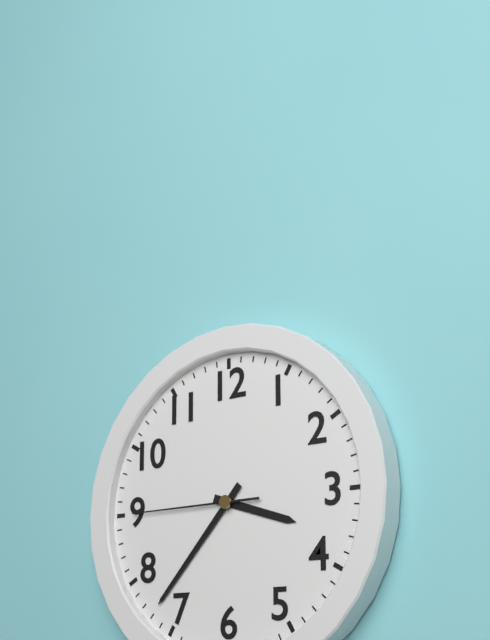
3:37:45
